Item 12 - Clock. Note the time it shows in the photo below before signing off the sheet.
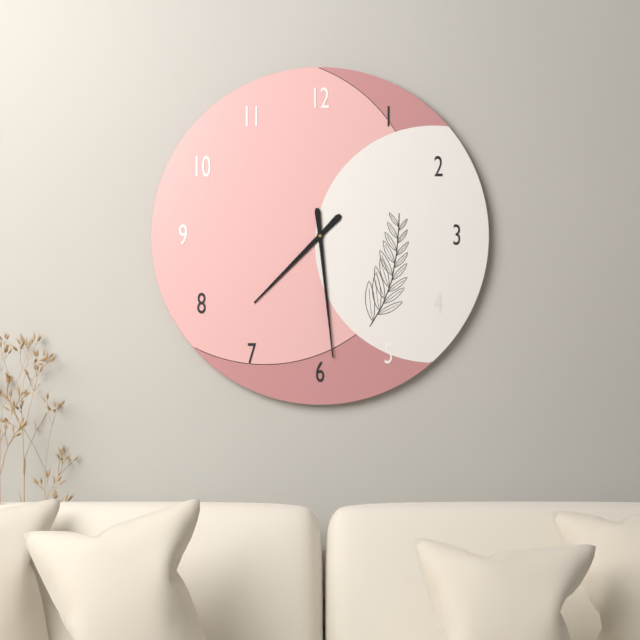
7:29
